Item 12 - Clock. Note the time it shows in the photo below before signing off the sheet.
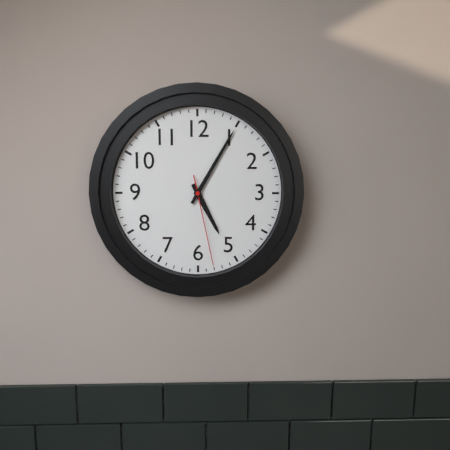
5:05:28
